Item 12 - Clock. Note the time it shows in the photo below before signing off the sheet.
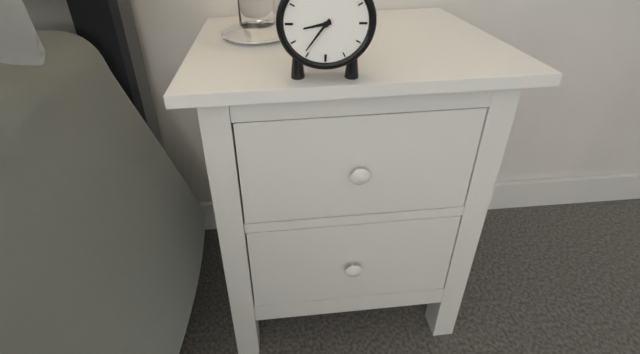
8:36
